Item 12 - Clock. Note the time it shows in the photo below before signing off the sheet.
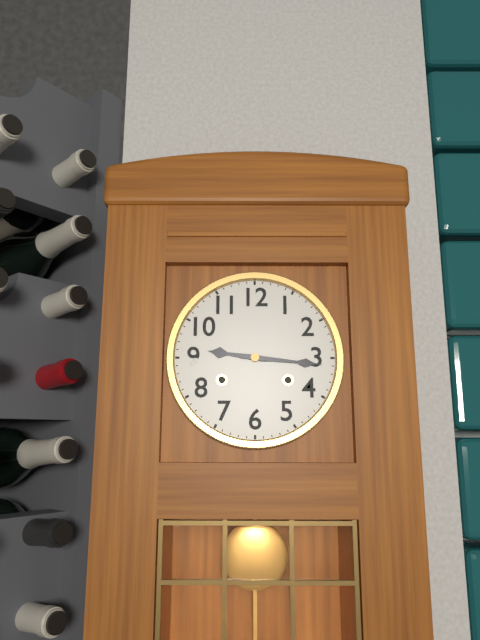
9:16
